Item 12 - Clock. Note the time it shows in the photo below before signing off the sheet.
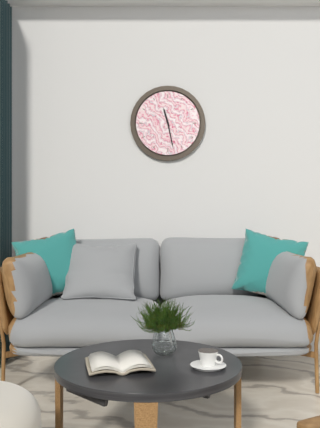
11:28
